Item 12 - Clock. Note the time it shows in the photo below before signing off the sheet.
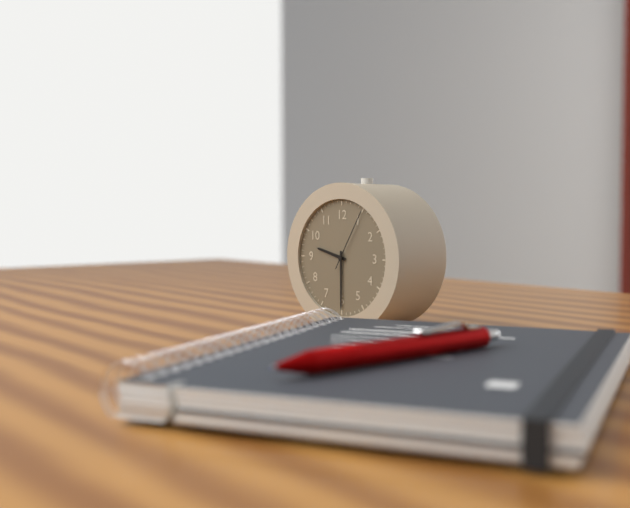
9:30:05
